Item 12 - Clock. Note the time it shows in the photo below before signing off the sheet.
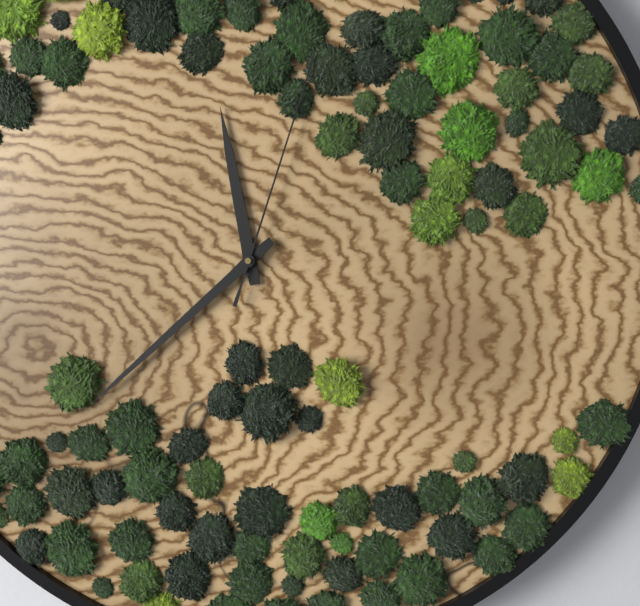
11:38:03
